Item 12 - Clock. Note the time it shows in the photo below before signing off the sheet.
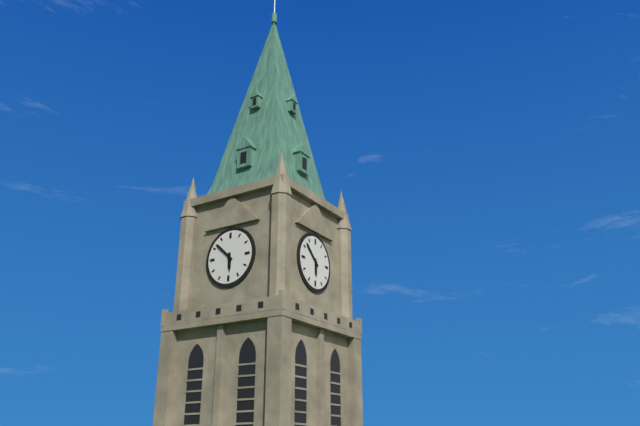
5:52
